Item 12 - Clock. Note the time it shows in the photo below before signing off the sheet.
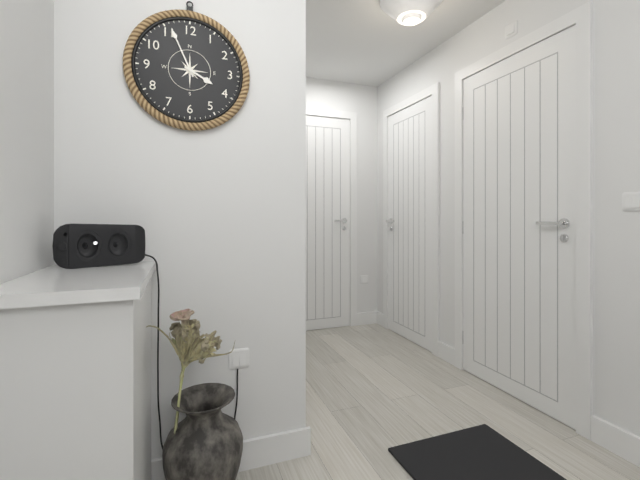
3:56
